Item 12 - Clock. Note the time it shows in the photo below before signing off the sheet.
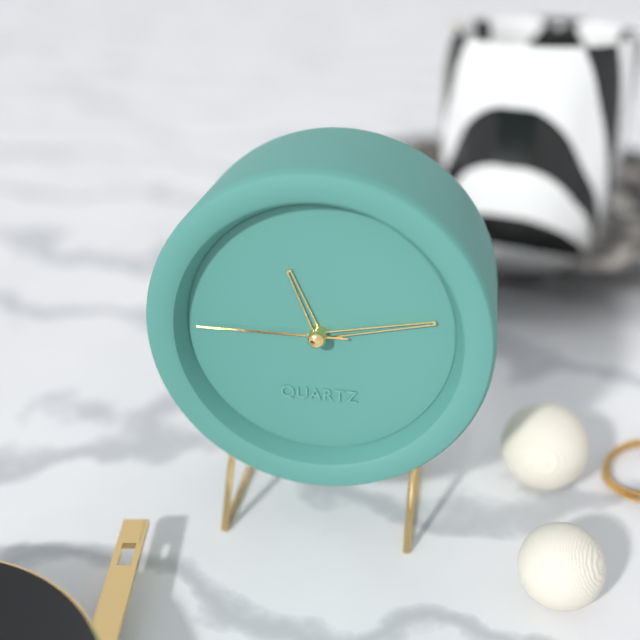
11:13:45
